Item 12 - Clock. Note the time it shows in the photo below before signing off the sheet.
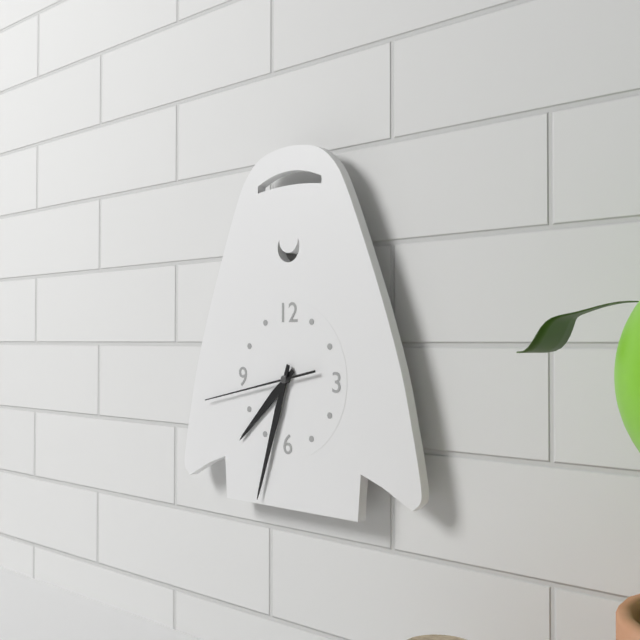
7:33:43
